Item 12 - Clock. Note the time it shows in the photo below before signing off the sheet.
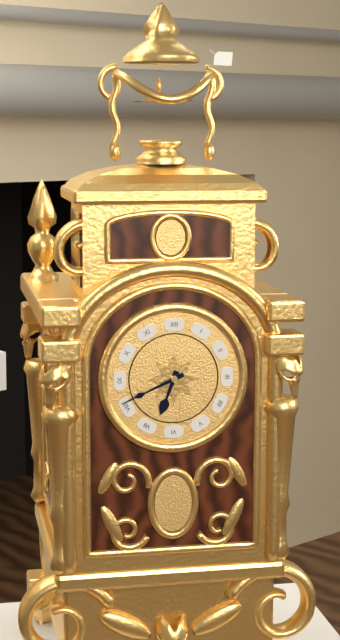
6:41
